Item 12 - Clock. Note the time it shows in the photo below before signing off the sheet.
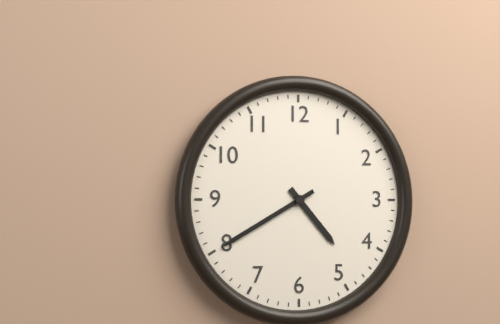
4:40
